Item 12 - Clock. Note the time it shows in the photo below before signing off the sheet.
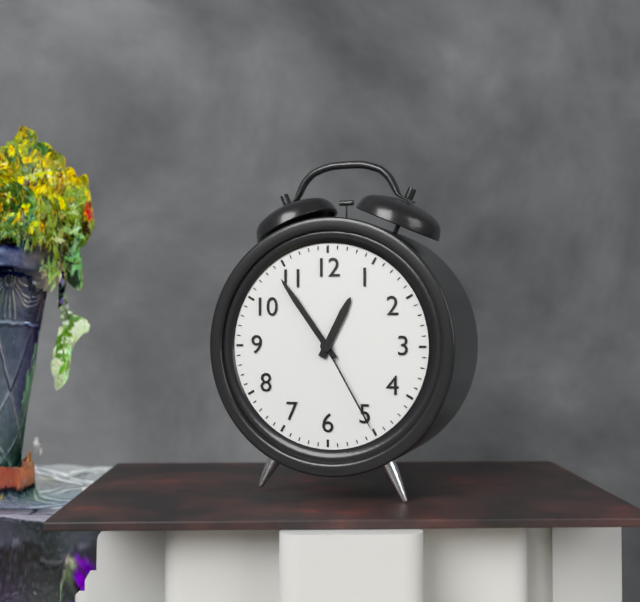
12:54:25
